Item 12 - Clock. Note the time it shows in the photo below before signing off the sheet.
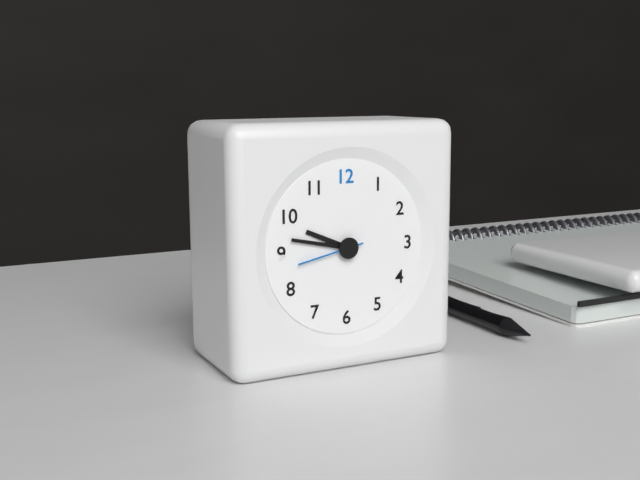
9:47:43
